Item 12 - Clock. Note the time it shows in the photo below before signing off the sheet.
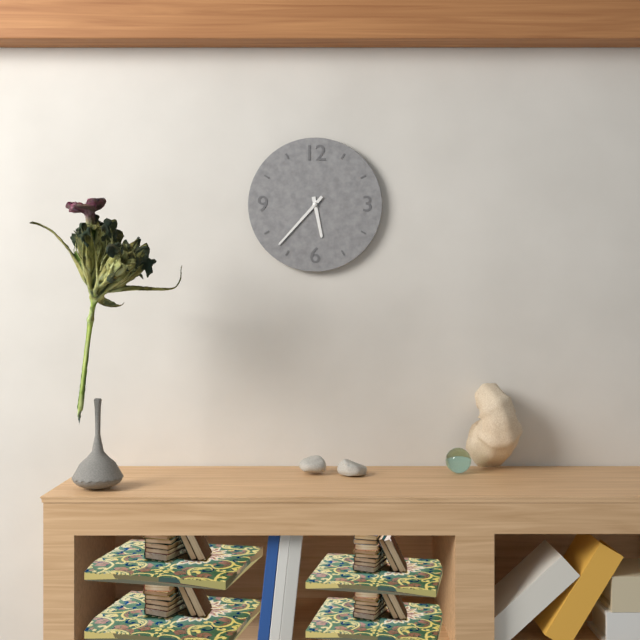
5:37
